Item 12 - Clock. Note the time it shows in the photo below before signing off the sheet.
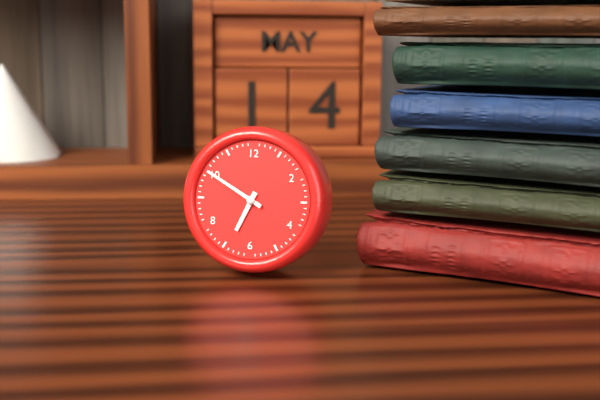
6:50
